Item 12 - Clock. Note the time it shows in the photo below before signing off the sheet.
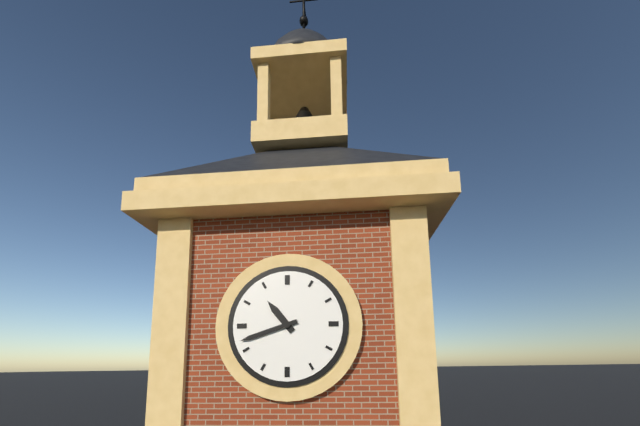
10:42
